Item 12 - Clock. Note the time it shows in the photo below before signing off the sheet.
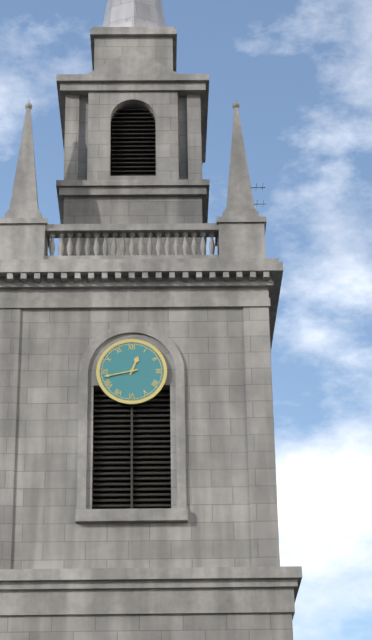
12:43
